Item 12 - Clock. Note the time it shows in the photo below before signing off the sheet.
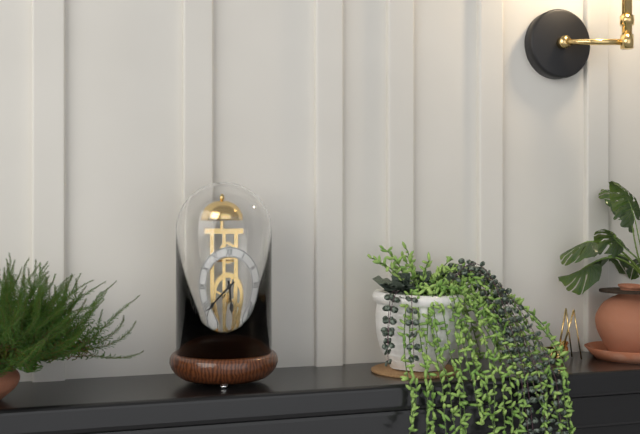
5:39
